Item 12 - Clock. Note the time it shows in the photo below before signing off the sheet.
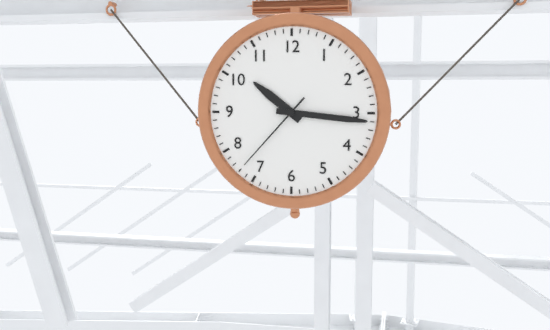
10:16:37
